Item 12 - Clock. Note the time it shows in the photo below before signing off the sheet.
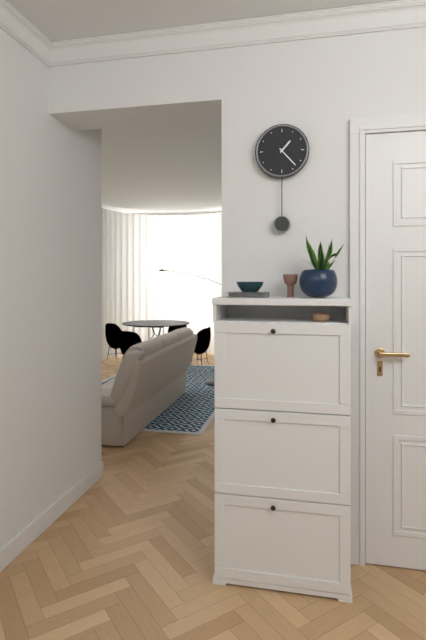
1:23
